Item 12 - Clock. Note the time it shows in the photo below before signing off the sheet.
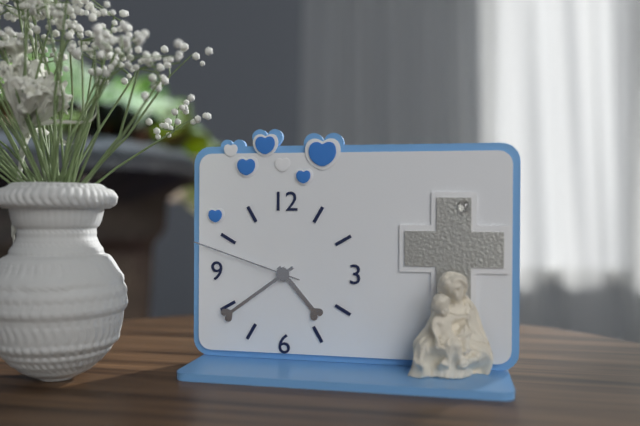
4:39:48
